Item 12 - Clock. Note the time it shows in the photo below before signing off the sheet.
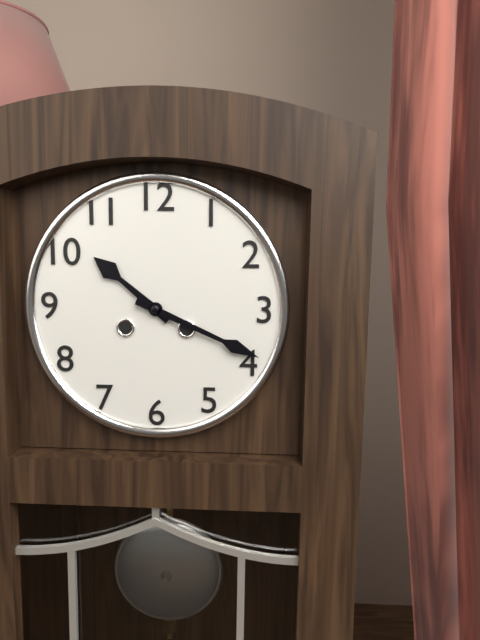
10:19
